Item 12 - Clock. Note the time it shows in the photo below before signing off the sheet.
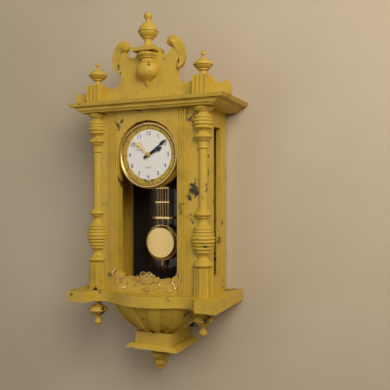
2:09
